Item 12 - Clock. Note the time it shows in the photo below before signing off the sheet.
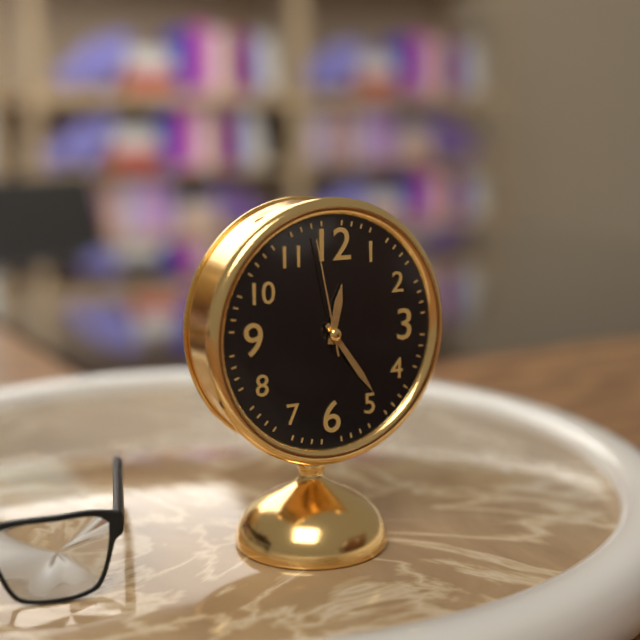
12:24:58
